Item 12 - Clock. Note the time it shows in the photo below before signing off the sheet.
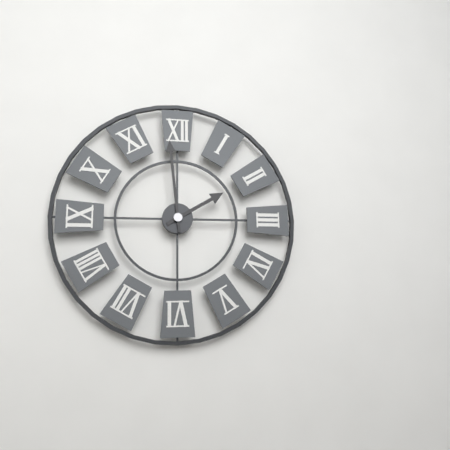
1:59
